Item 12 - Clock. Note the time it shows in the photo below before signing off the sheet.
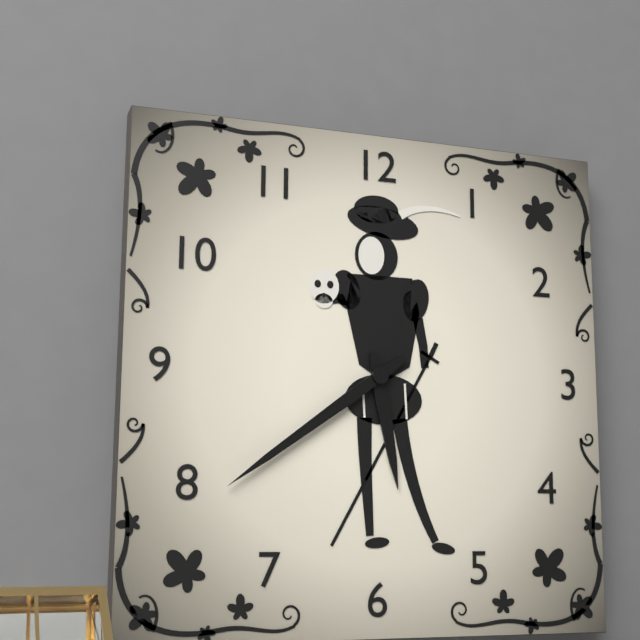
5:39
